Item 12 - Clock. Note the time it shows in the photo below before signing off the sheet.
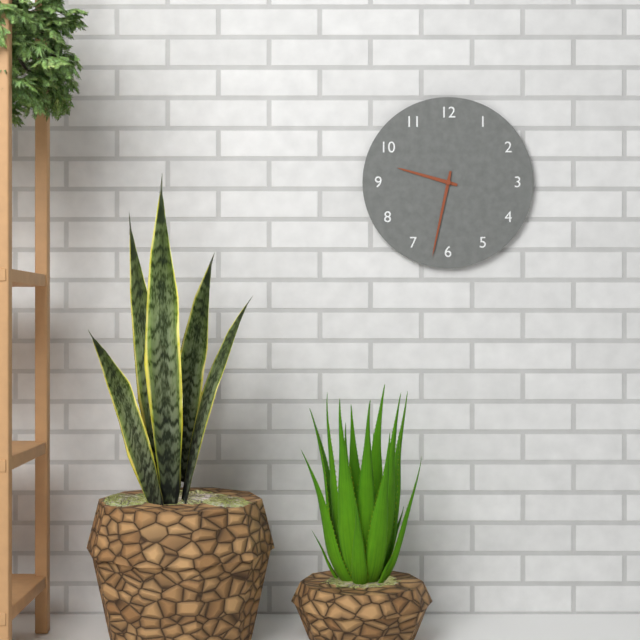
9:32
